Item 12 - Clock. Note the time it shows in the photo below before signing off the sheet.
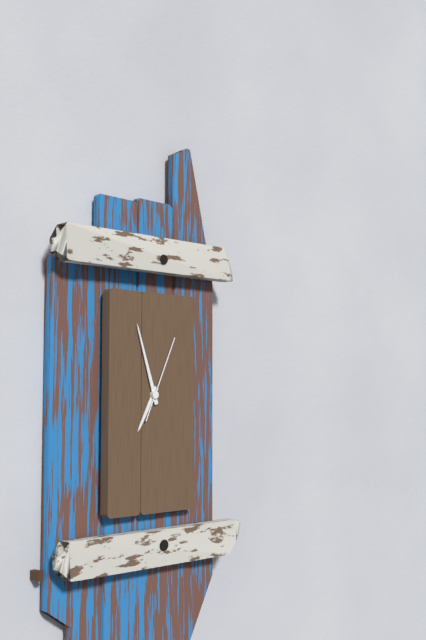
6:57:04
